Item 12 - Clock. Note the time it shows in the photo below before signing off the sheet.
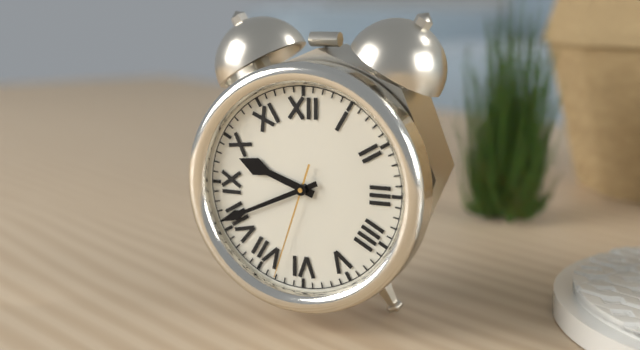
9:41:33
